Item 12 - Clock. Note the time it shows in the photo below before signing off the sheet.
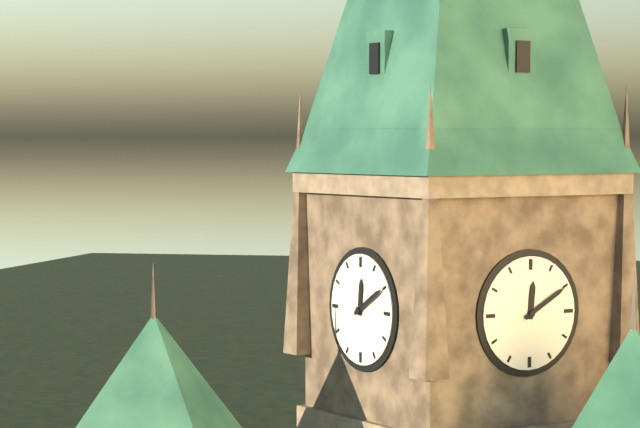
12:10
